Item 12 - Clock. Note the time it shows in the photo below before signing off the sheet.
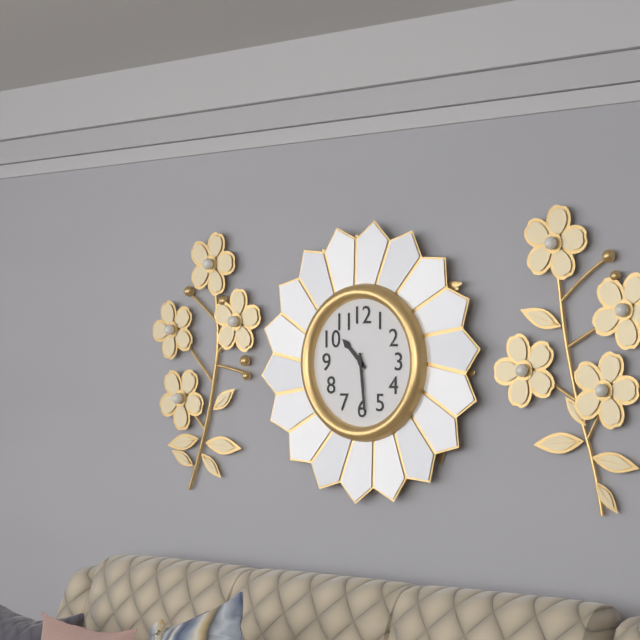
10:29
